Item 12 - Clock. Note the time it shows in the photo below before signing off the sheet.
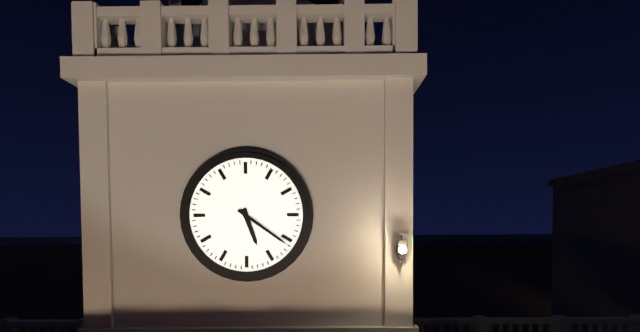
5:21
